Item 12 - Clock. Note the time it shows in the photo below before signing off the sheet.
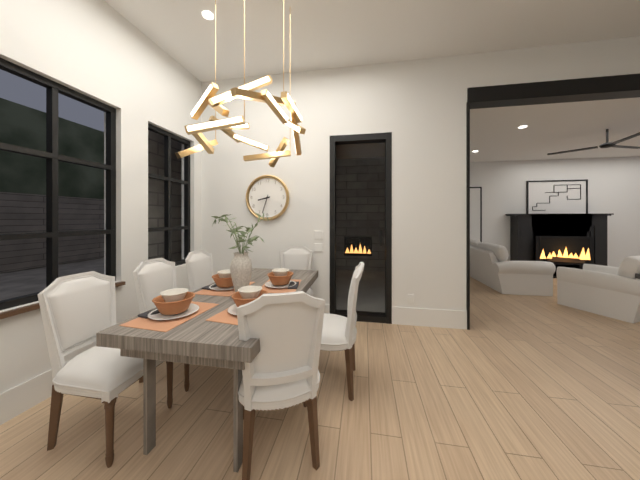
8:33
